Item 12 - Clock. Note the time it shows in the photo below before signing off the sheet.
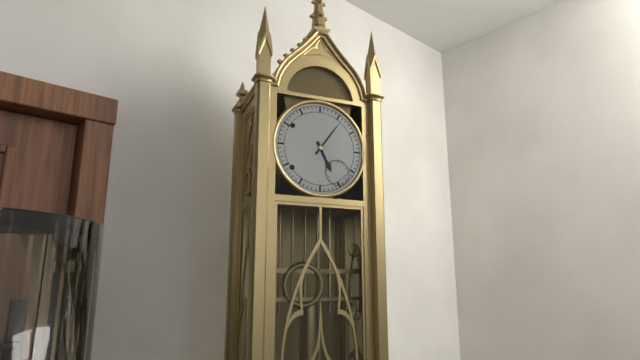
5:06
